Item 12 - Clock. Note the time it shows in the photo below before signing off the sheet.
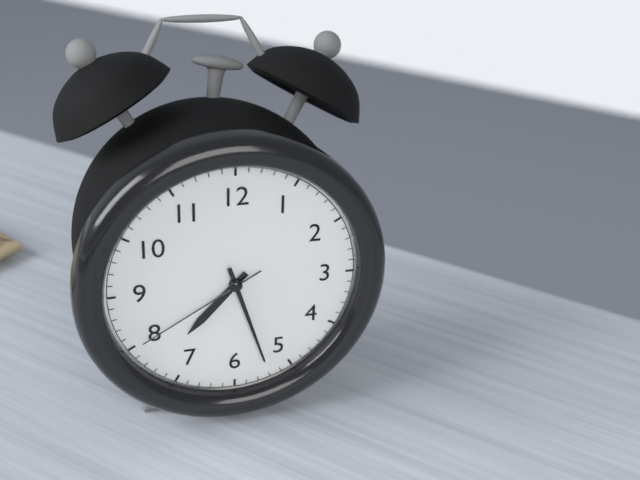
7:27:40
